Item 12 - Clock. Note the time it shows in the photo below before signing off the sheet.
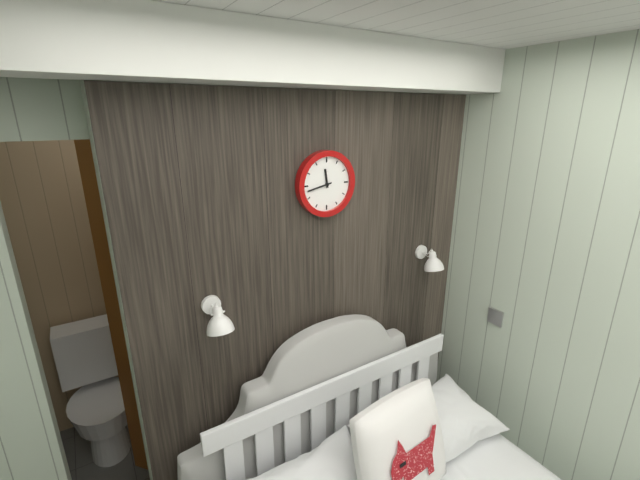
11:43
